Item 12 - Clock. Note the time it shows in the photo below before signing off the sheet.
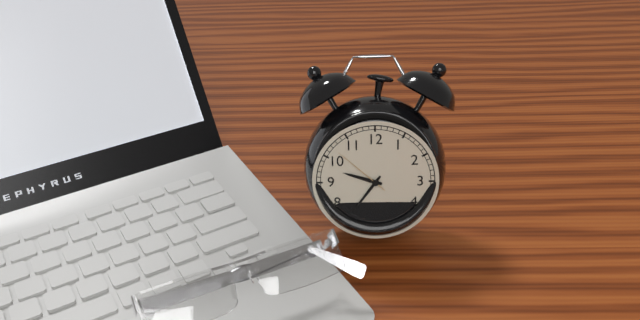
9:36:52
